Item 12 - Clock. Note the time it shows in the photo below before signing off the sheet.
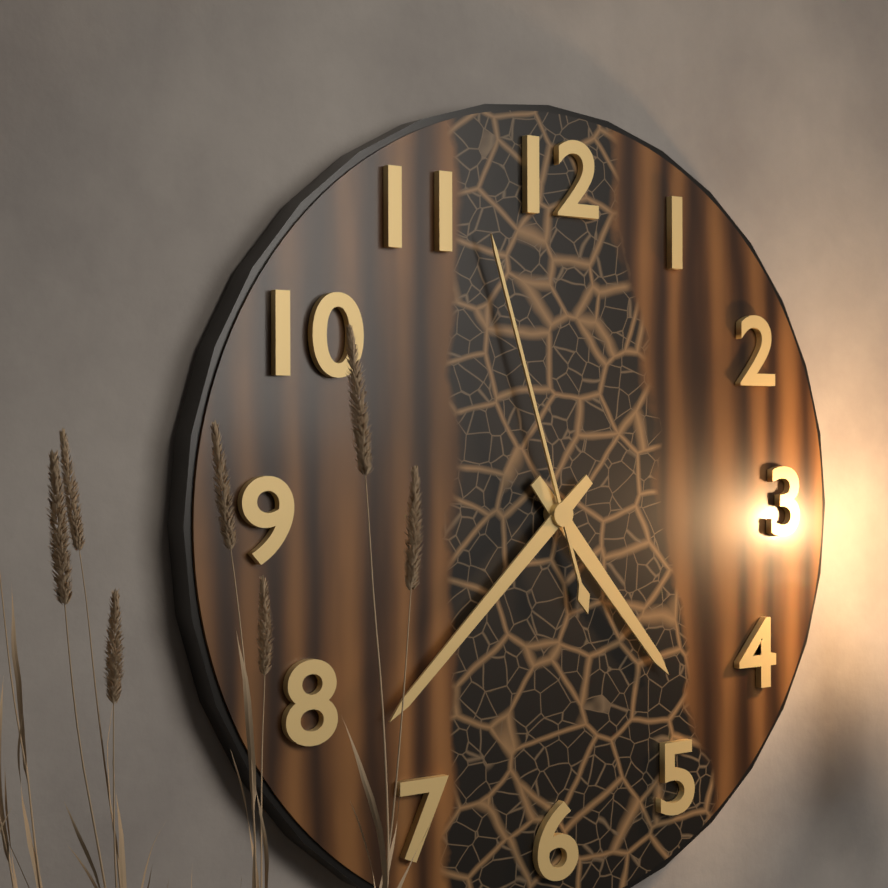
4:38:57
